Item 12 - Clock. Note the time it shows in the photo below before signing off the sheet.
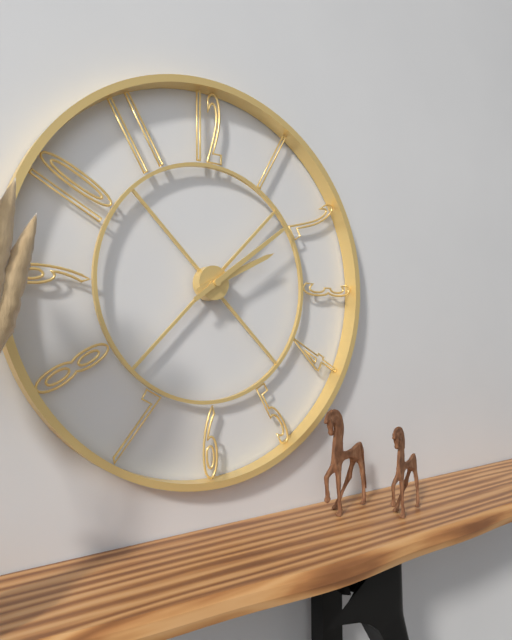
2:09
